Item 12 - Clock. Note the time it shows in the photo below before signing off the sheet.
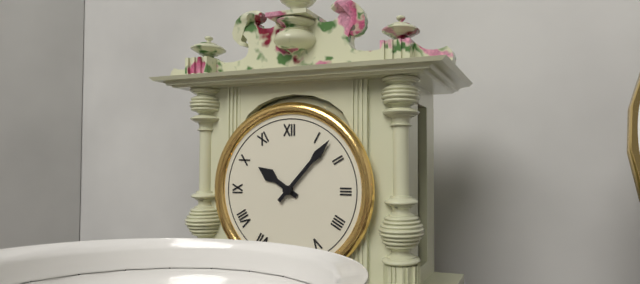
10:07
